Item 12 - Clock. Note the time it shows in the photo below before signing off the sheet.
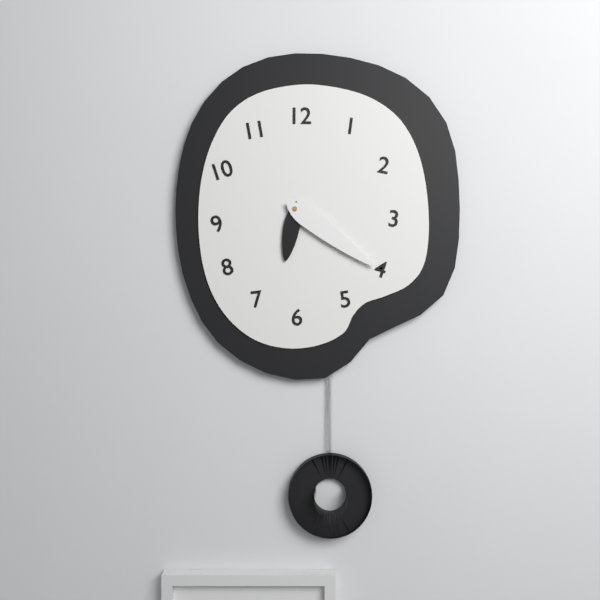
6:21
